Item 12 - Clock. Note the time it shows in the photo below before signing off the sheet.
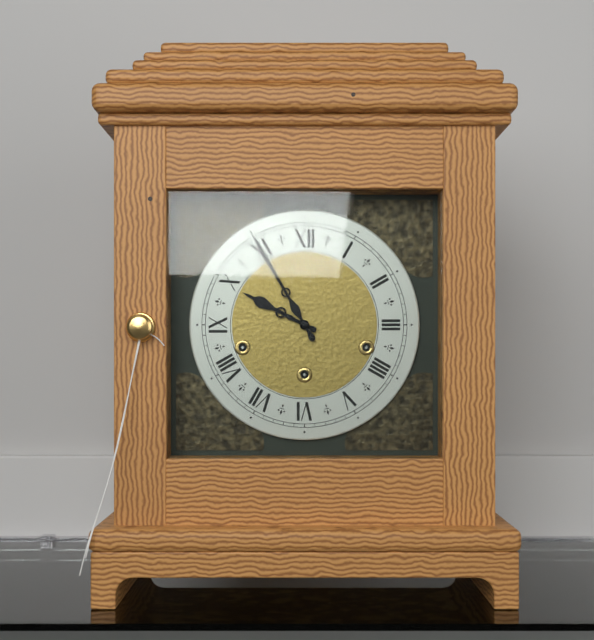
9:55
